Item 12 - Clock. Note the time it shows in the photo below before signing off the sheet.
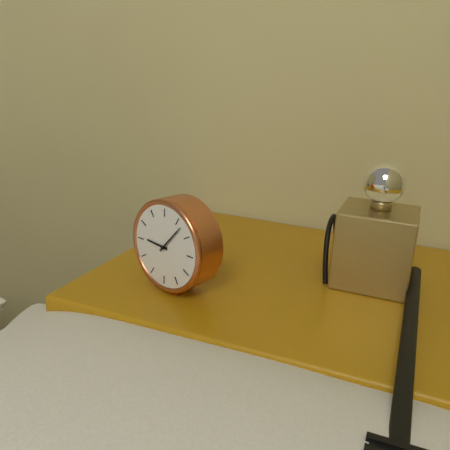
9:07
